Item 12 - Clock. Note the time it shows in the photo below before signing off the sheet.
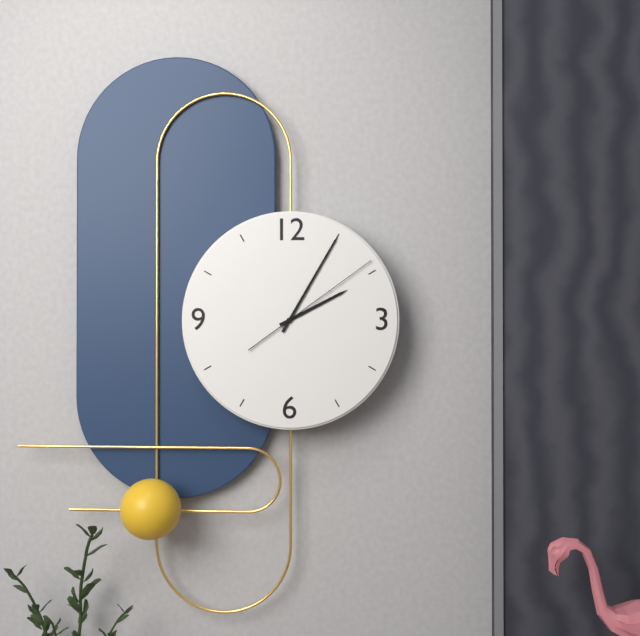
2:05:09
